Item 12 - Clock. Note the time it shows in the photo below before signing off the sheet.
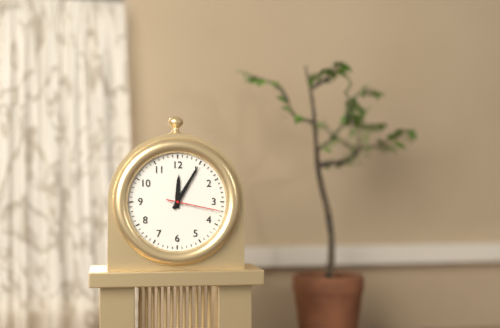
12:05:17
